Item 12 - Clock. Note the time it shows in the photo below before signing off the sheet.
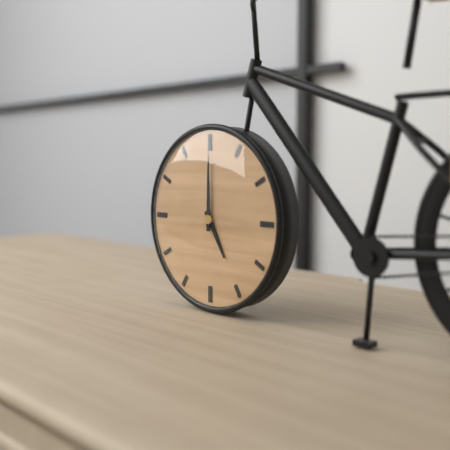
5:00
